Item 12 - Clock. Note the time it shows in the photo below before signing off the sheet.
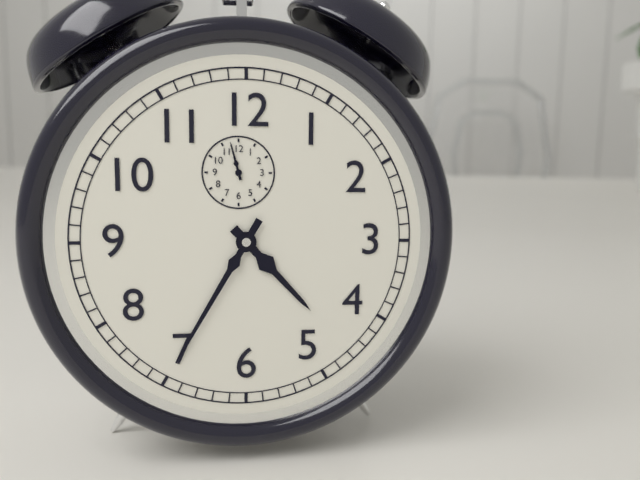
4:35
